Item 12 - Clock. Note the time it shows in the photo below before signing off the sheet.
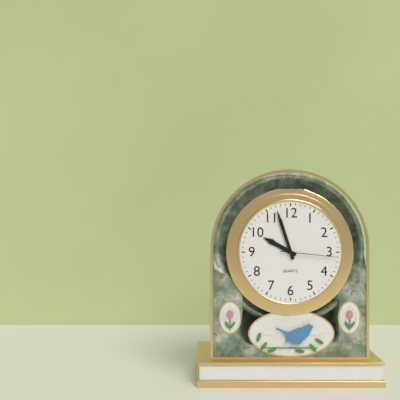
9:57:16
